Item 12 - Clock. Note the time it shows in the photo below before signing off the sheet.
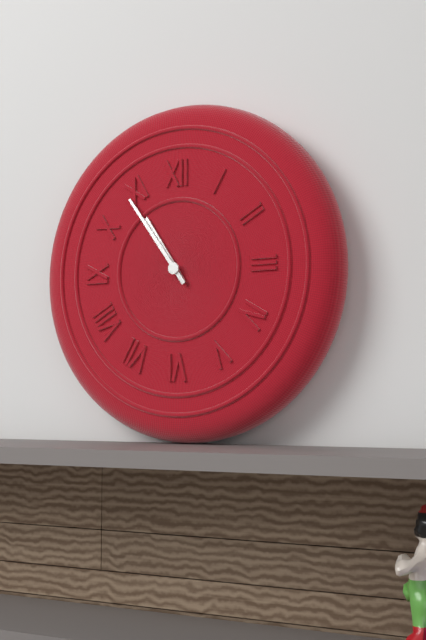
10:54
